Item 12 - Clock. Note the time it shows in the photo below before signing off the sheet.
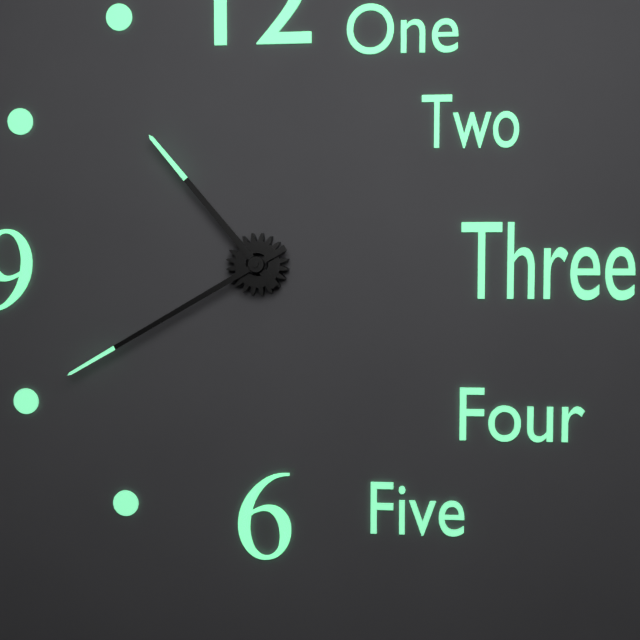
10:40
